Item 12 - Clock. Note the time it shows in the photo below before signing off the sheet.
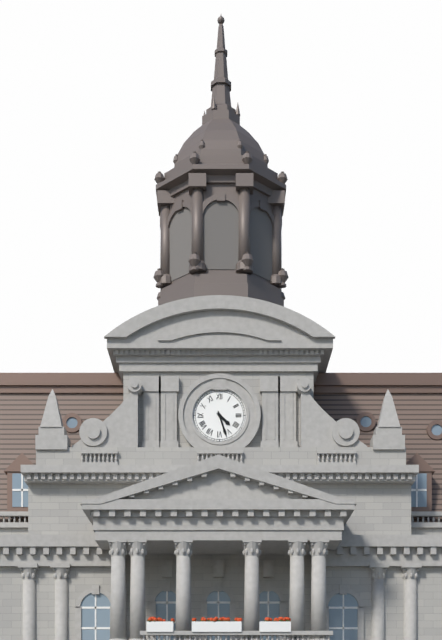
4:27
